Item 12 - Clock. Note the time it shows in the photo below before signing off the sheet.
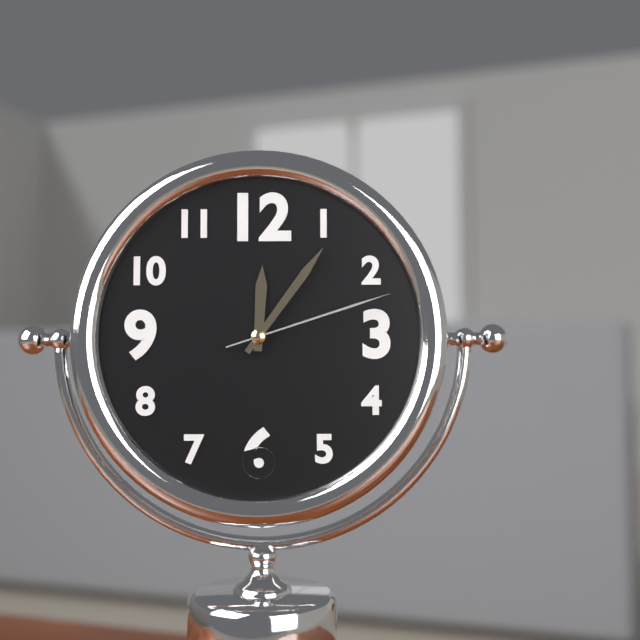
12:06:12
